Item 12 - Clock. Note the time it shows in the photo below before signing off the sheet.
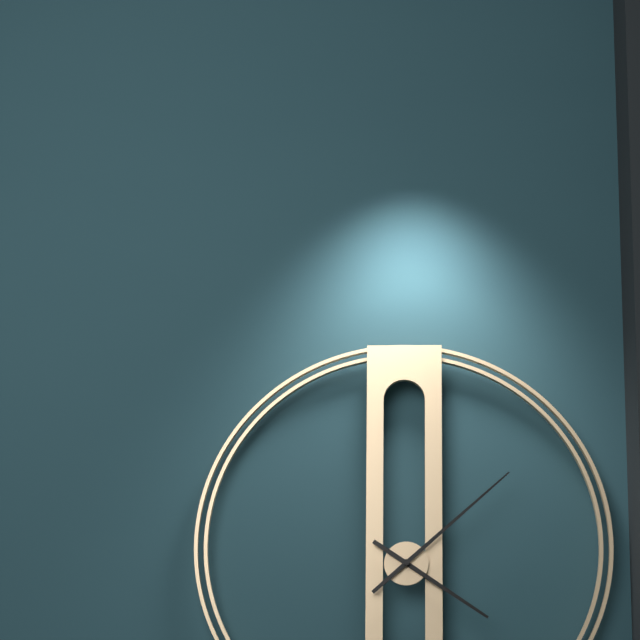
4:08
